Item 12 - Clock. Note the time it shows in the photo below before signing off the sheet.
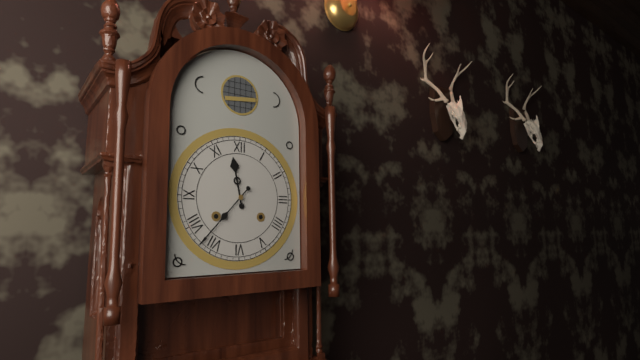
11:37
